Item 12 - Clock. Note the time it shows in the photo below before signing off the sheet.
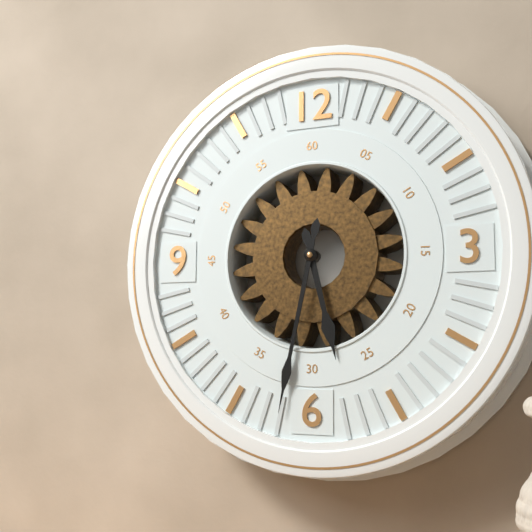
5:32
